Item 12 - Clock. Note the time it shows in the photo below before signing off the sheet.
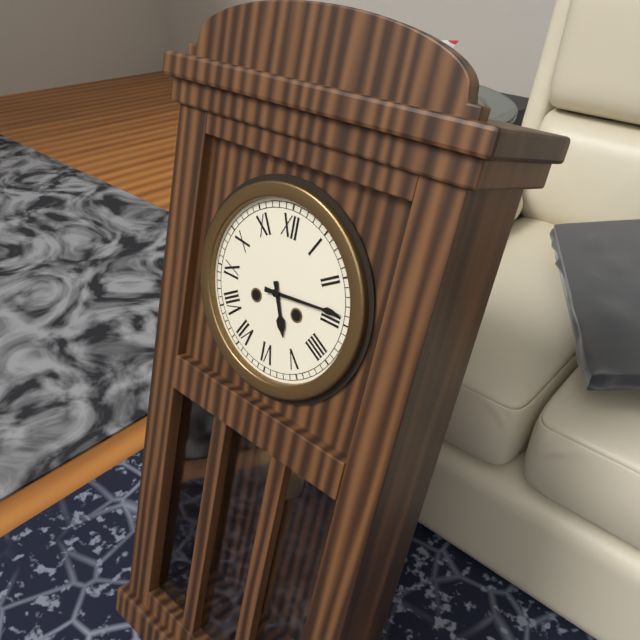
5:14
